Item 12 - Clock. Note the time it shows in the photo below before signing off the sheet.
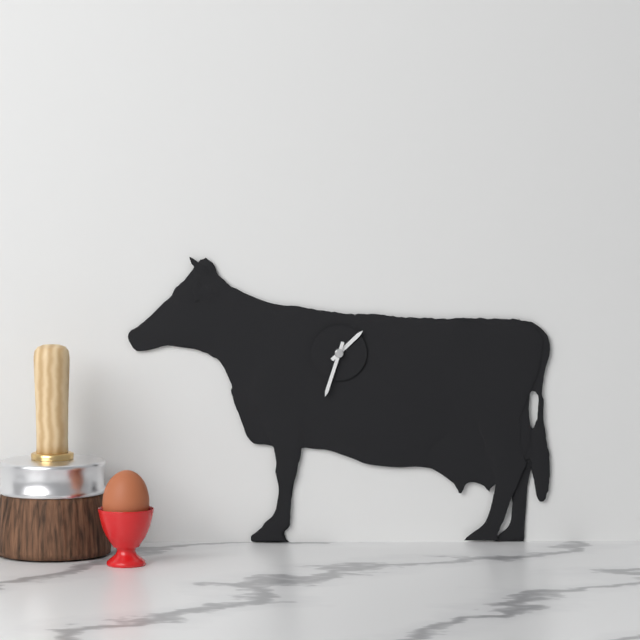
1:33
